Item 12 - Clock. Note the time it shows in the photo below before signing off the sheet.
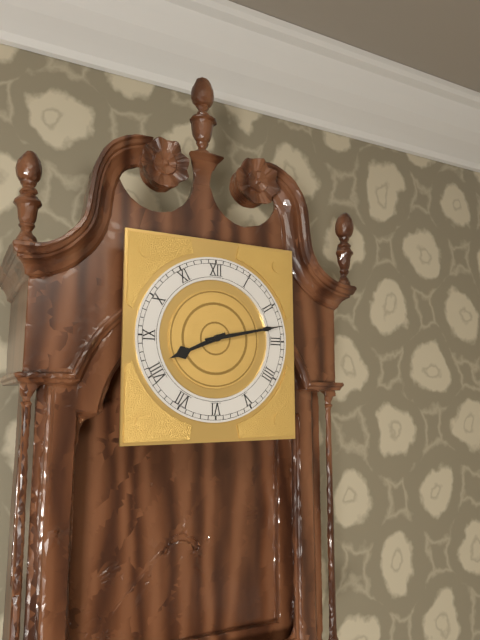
8:13
